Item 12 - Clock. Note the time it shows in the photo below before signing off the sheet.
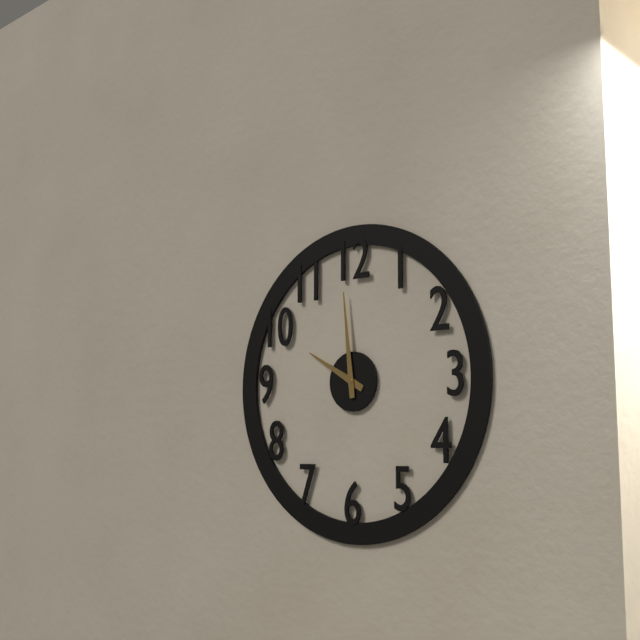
9:59
